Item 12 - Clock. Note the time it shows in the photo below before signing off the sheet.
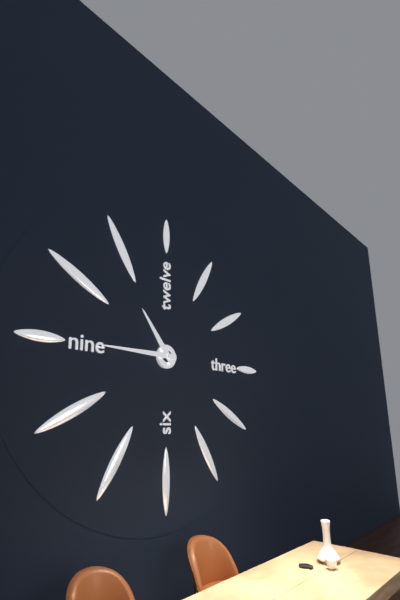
10:45
